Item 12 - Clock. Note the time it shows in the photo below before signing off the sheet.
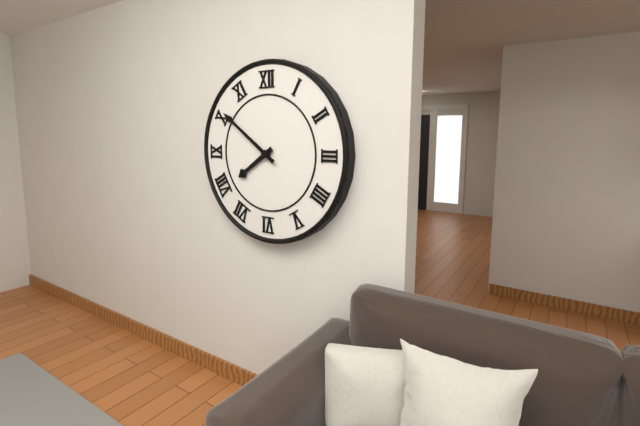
7:51
